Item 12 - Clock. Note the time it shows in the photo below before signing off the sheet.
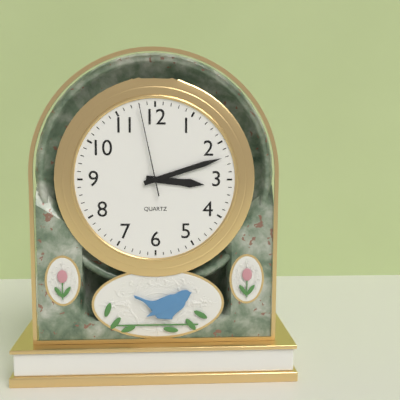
3:12:58
